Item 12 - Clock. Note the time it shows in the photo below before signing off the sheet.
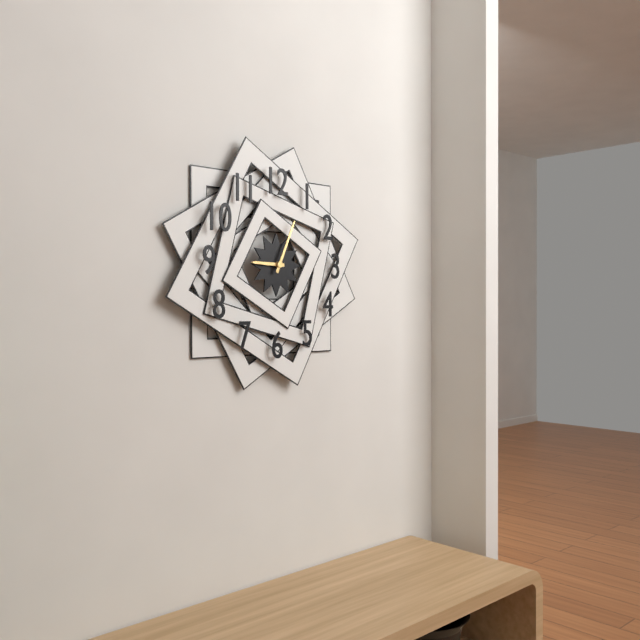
9:04
